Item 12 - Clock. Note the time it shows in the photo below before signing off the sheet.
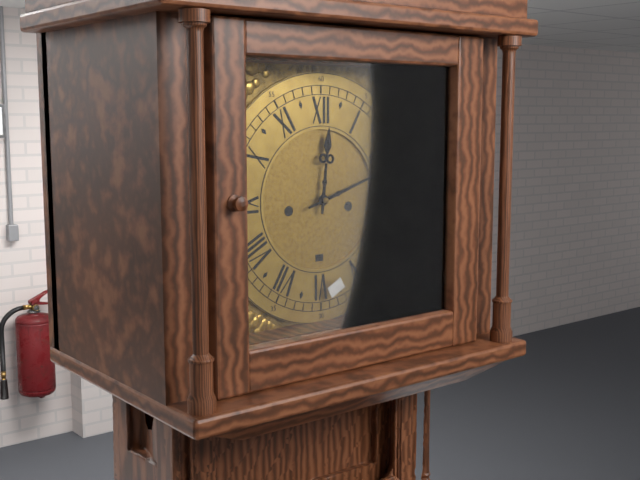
12:12
